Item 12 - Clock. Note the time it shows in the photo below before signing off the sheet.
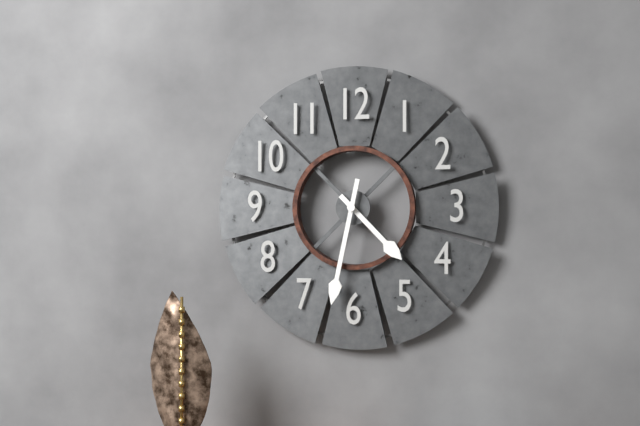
4:32
